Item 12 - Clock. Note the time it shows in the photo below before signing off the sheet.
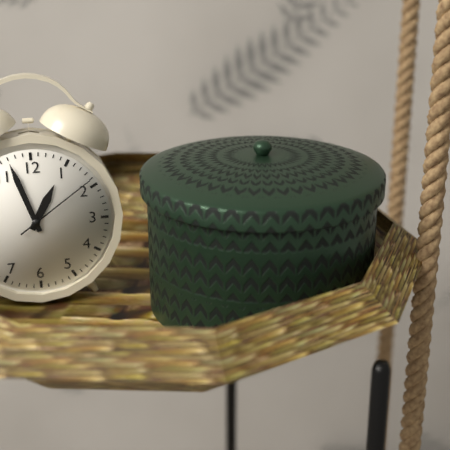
12:57:09
